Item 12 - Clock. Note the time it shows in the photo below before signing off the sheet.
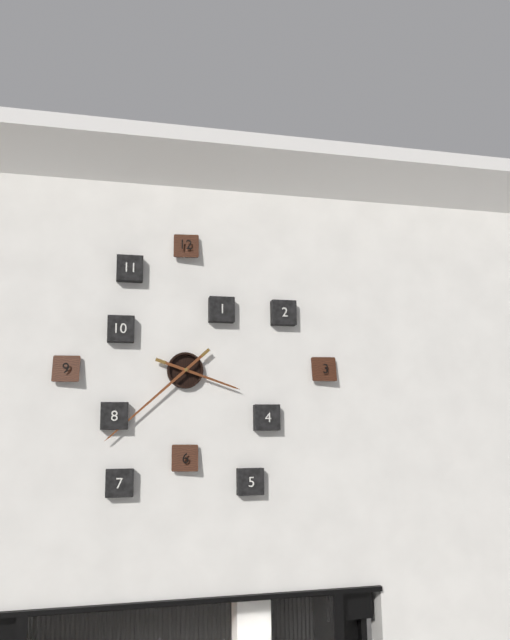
3:38
